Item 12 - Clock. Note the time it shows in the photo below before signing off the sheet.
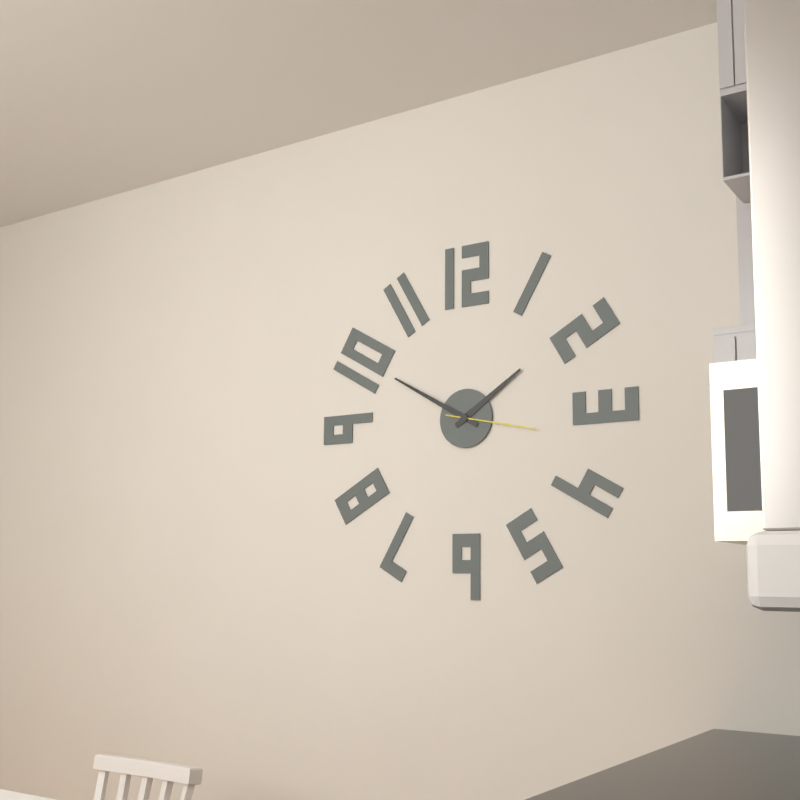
1:50:17
